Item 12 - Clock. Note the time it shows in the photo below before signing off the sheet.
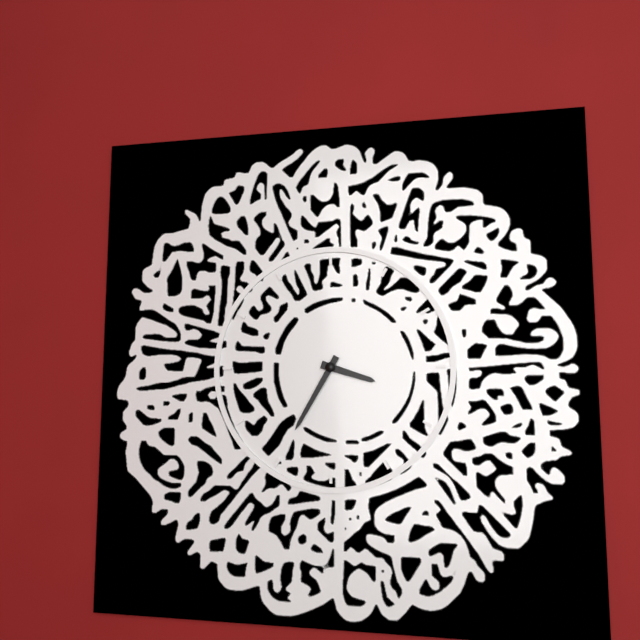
3:35
